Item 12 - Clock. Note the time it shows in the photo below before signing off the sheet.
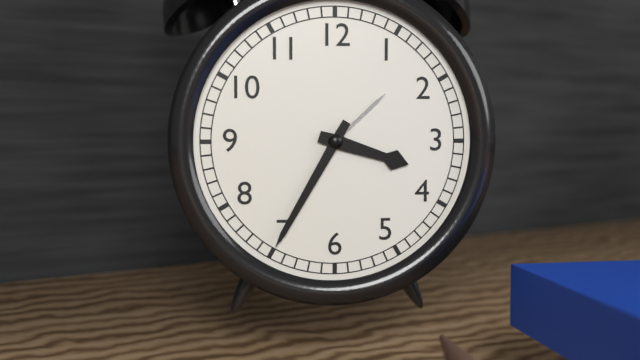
3:35
